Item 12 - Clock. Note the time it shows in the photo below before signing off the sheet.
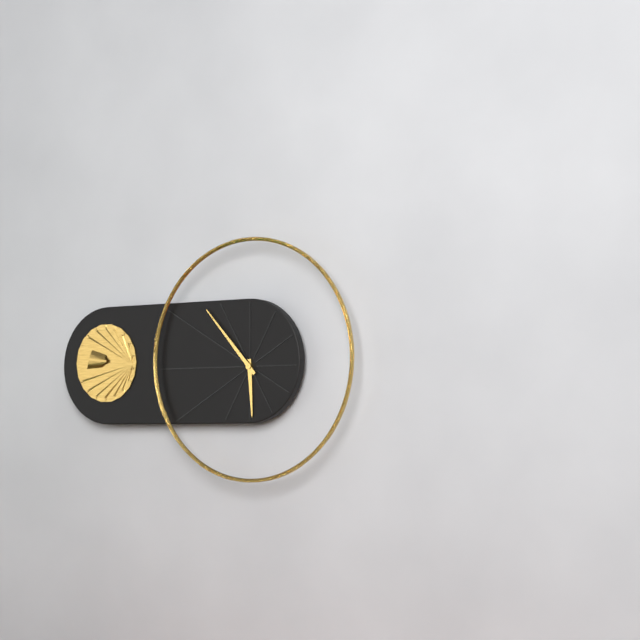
5:53
